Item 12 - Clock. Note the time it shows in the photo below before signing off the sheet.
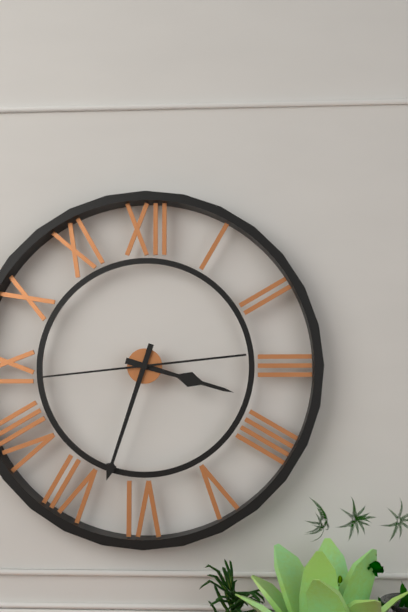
3:33:44
